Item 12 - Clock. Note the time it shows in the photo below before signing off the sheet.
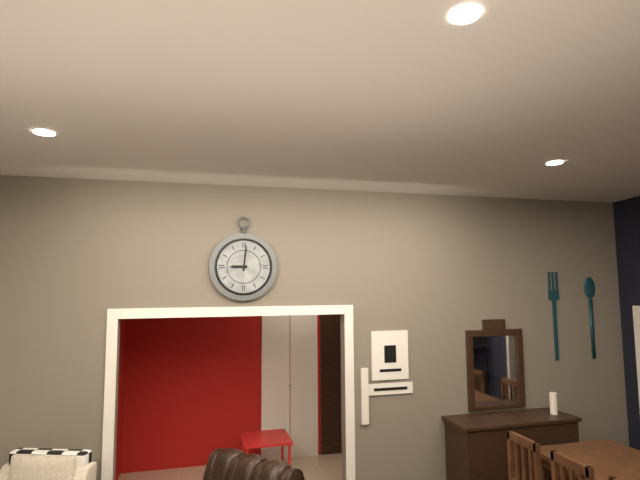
9:01
